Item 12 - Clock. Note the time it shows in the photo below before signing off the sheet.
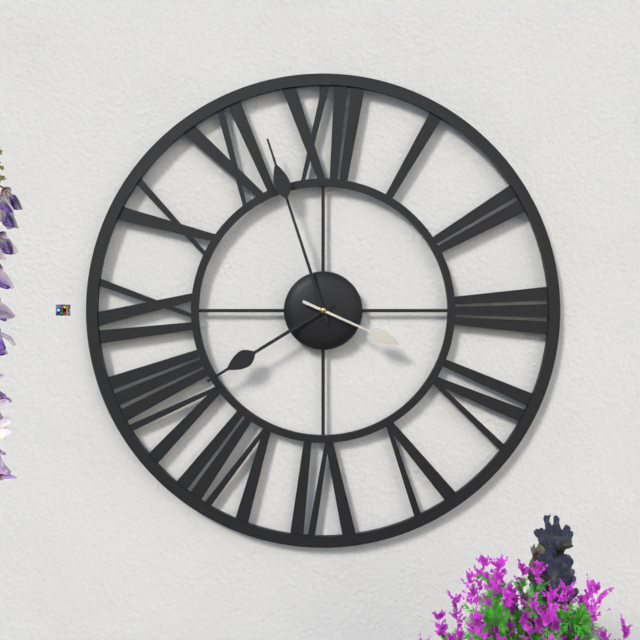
7:57:19
